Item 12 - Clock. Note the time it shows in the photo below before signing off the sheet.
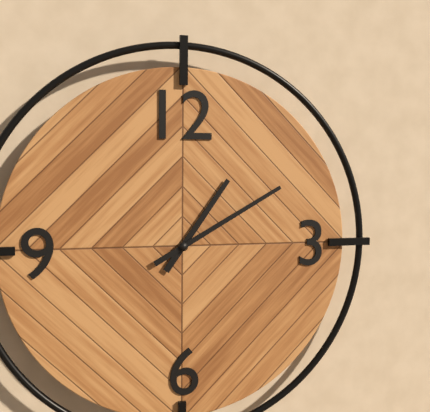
1:10
